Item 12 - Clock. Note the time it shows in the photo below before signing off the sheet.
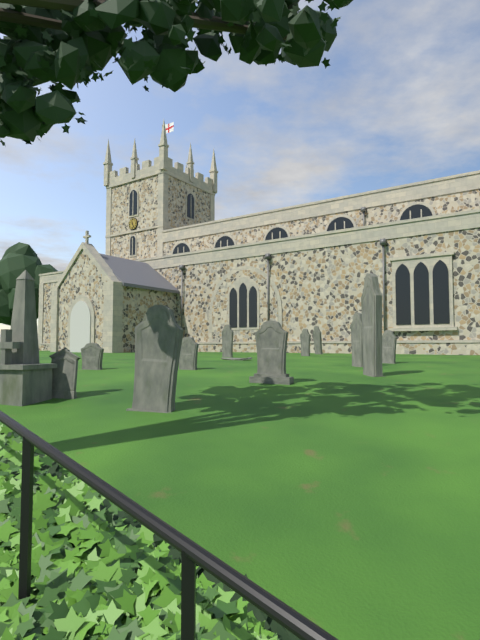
11:25
